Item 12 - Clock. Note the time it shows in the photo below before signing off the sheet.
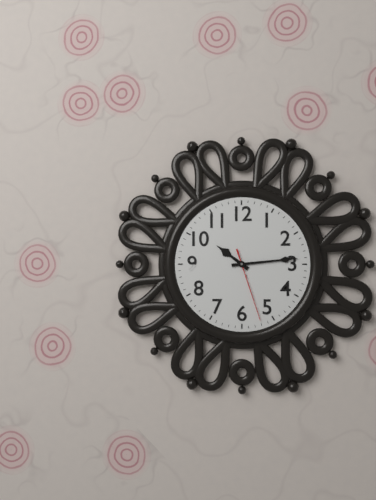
10:14:27
